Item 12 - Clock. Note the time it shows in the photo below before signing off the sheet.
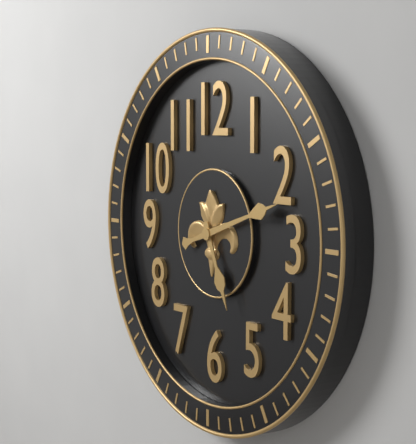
5:12
